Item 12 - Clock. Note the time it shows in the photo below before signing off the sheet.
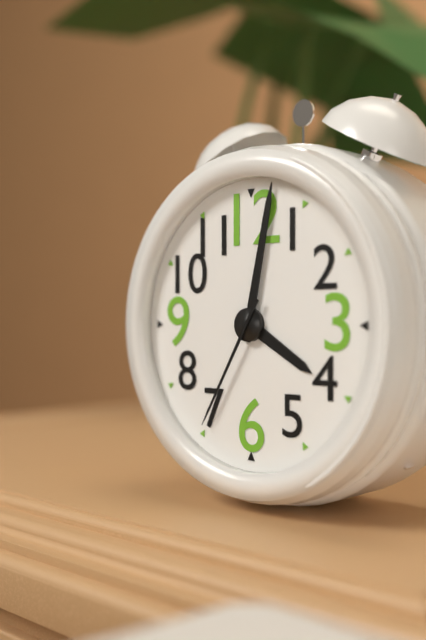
4:02:35
